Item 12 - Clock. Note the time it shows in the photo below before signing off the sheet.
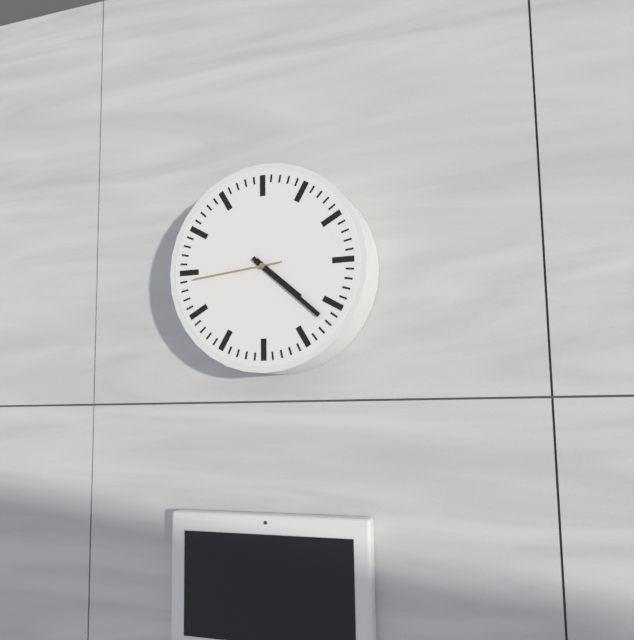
4:22:44
